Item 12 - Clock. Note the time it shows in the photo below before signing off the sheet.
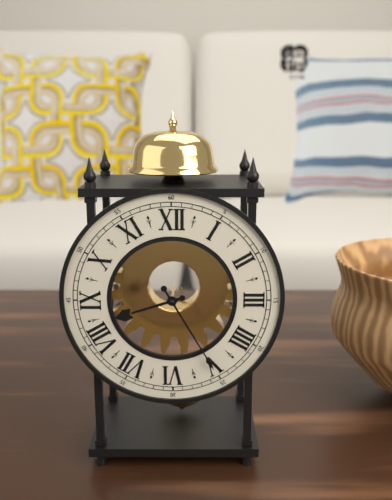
8:25
